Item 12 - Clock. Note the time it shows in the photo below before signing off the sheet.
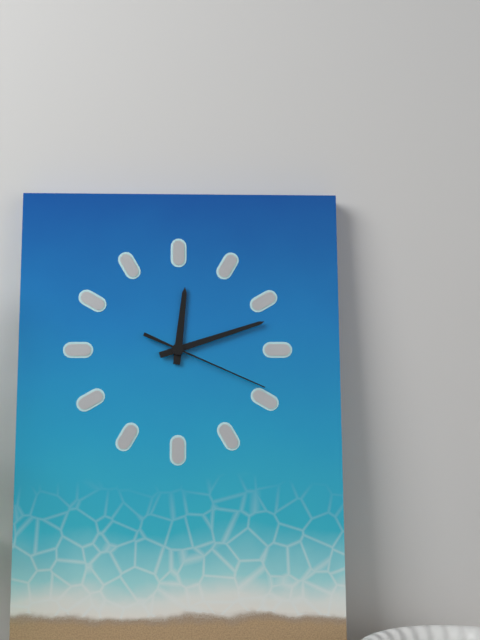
12:12:19
